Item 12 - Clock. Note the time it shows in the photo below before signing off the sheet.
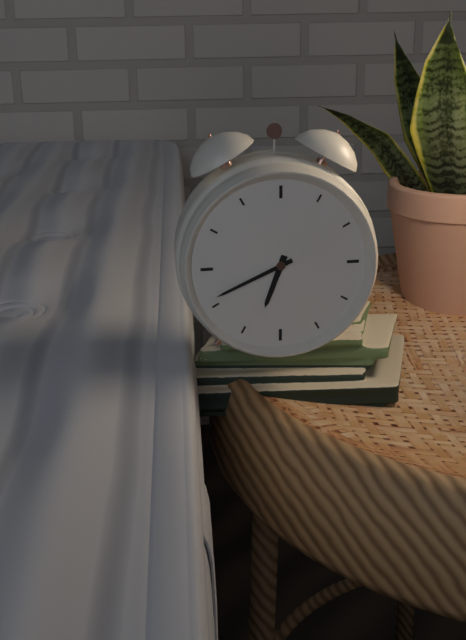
6:41
